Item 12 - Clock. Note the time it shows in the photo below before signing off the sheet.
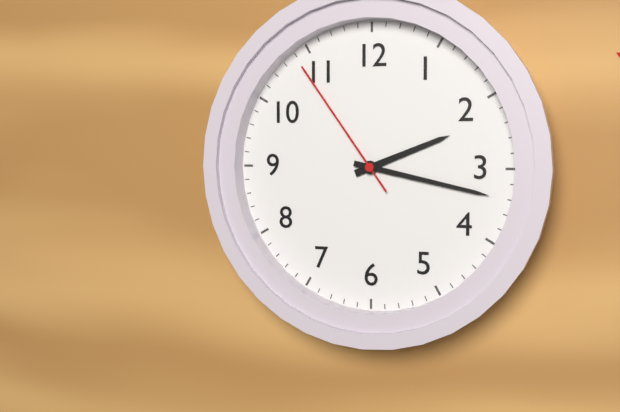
2:17:54
